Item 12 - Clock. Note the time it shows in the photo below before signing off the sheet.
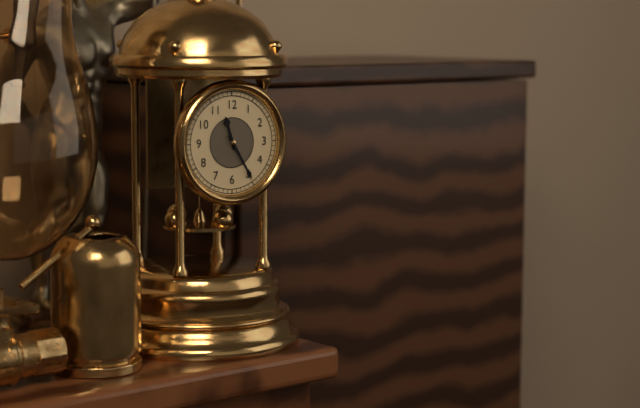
11:25
